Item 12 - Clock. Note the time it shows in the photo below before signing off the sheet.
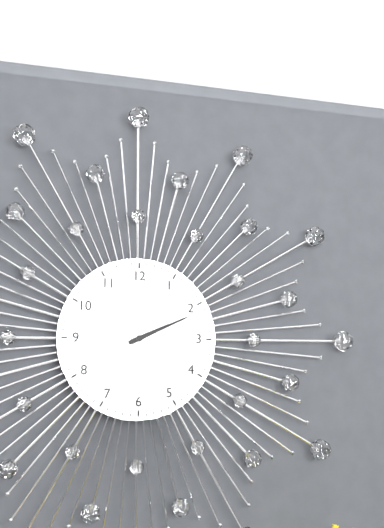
2:11
